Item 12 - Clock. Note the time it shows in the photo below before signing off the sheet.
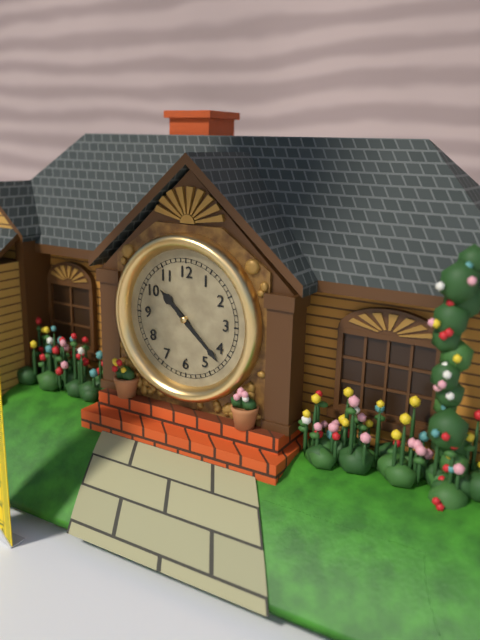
10:22
